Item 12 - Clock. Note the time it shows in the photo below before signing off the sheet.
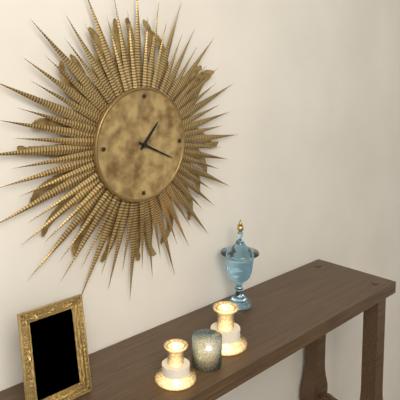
1:19
